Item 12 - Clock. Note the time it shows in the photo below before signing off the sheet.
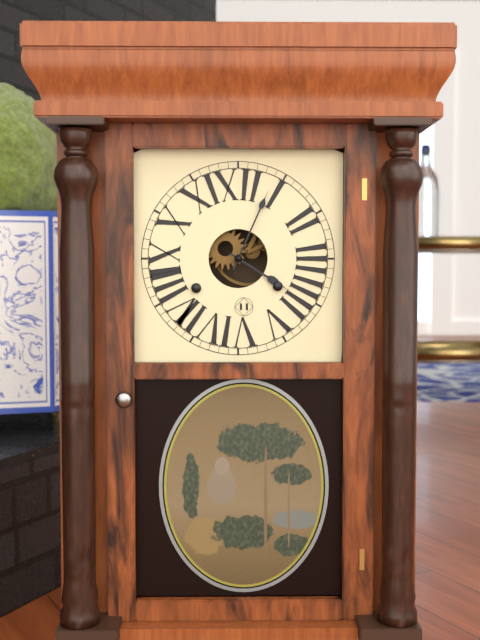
4:04
